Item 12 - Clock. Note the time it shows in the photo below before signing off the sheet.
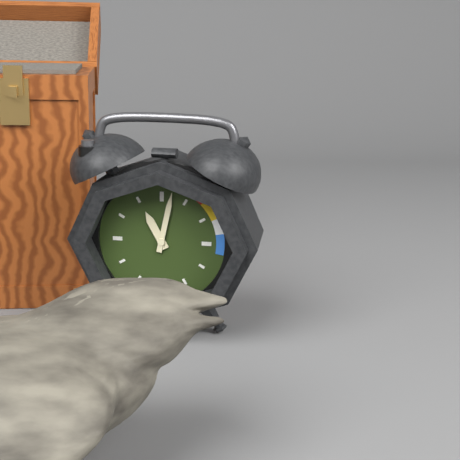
11:02
